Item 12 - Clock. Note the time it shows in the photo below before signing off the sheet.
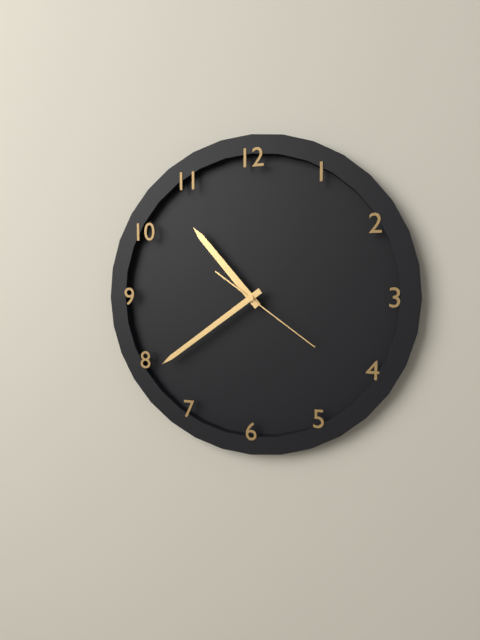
10:39:21
